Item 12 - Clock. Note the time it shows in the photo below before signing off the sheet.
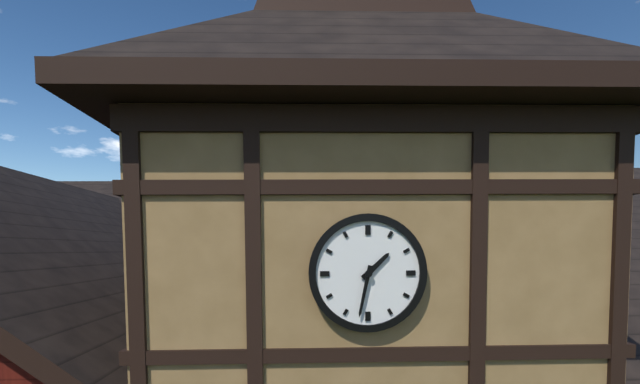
1:32
